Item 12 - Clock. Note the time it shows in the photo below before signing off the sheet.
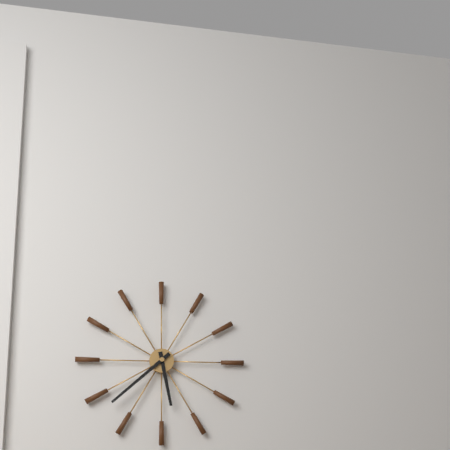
5:38
